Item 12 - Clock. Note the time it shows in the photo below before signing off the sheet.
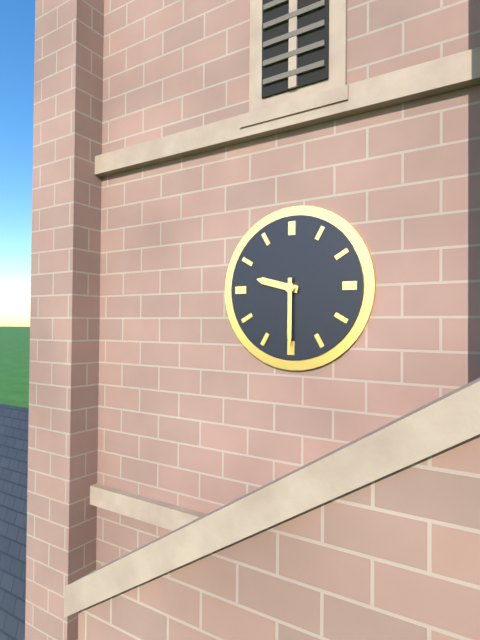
9:30
